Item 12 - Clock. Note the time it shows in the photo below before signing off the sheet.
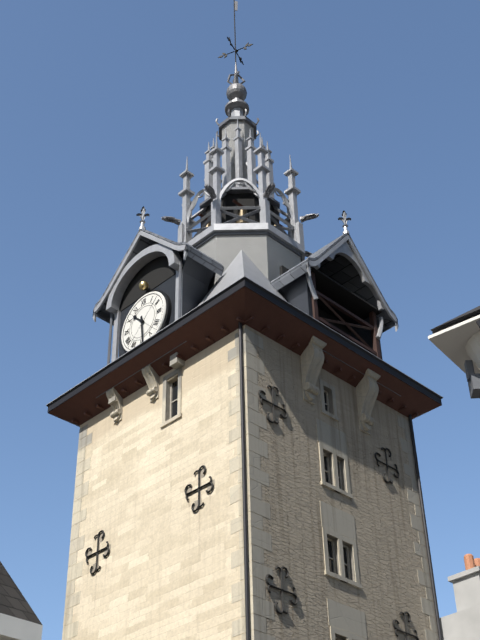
10:29
